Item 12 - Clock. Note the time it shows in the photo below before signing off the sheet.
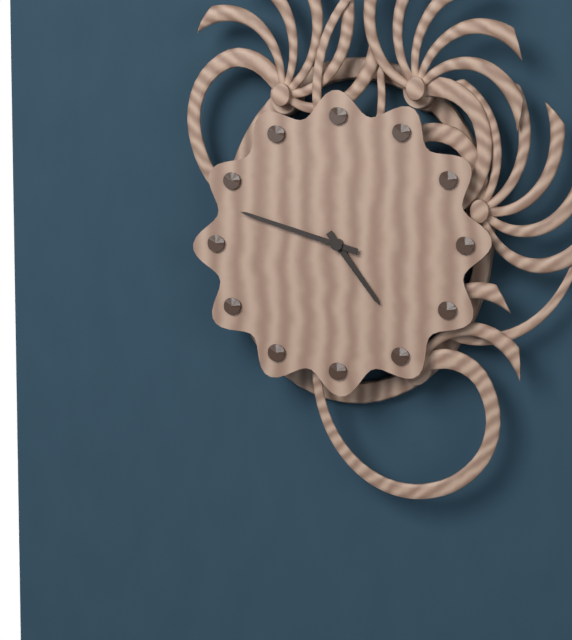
4:48
